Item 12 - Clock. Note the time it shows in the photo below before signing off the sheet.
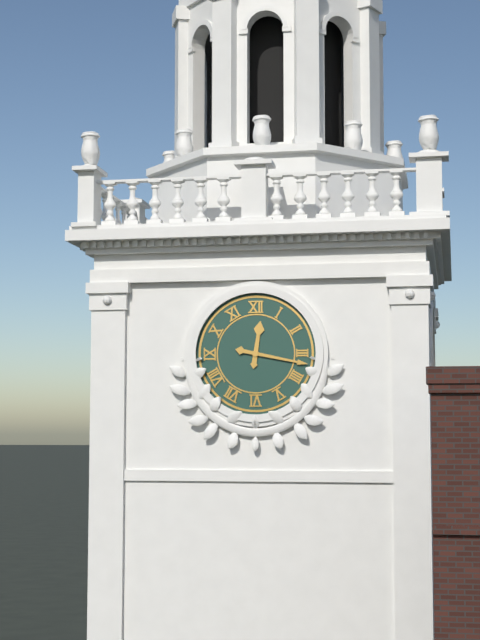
12:17
